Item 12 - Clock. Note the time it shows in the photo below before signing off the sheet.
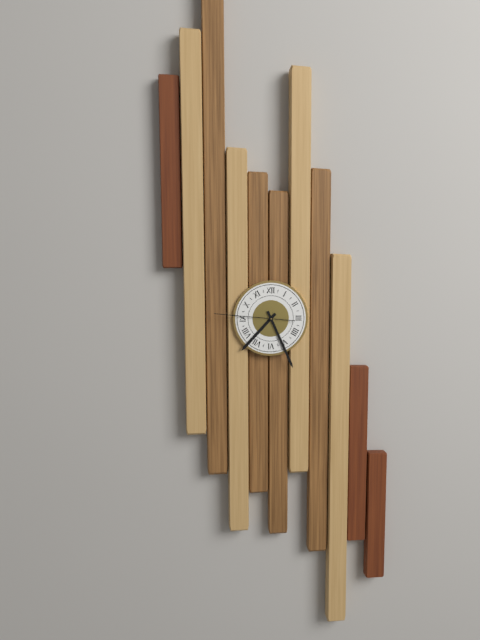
7:26:46
